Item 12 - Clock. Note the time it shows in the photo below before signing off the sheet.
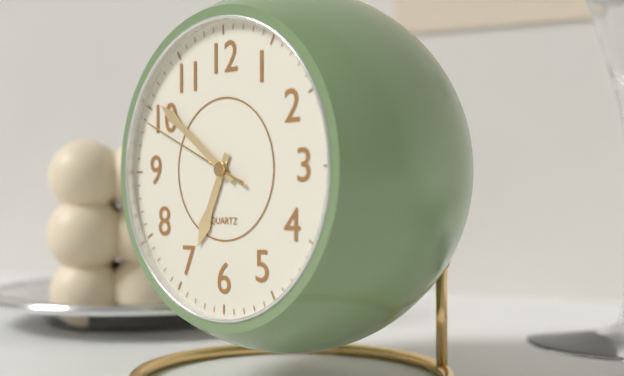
6:51:49
